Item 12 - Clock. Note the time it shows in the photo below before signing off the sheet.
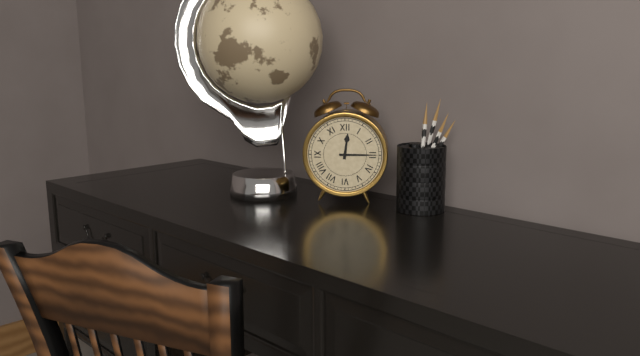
12:15
